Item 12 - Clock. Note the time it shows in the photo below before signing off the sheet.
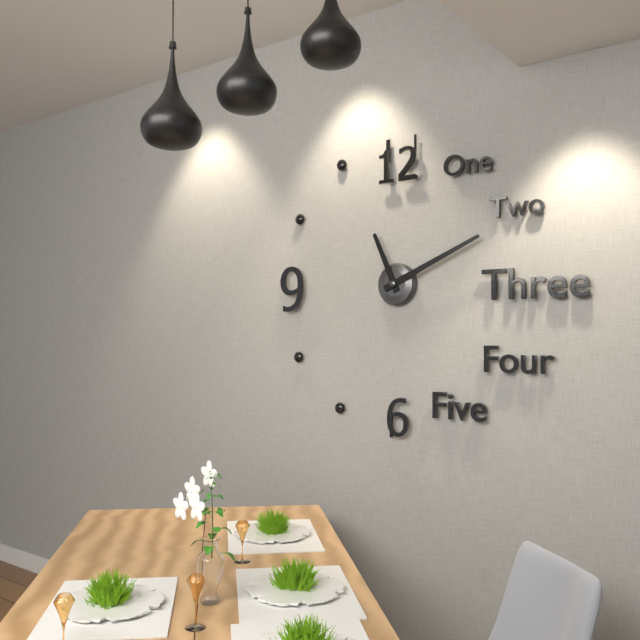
11:11
